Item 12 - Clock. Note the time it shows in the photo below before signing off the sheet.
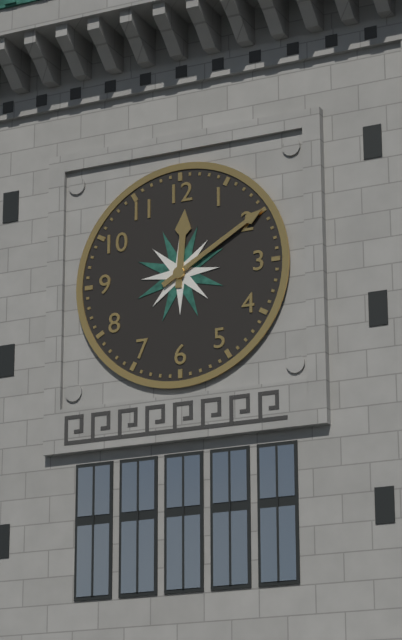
12:10
